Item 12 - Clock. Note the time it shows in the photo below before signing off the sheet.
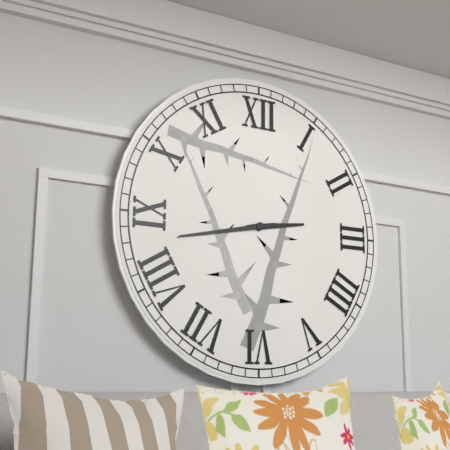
2:43
